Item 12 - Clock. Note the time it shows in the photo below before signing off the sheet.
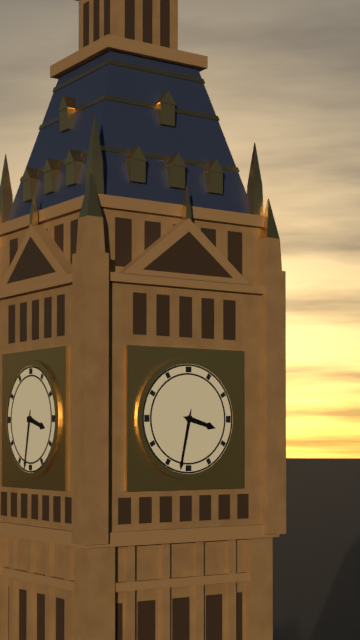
3:32
